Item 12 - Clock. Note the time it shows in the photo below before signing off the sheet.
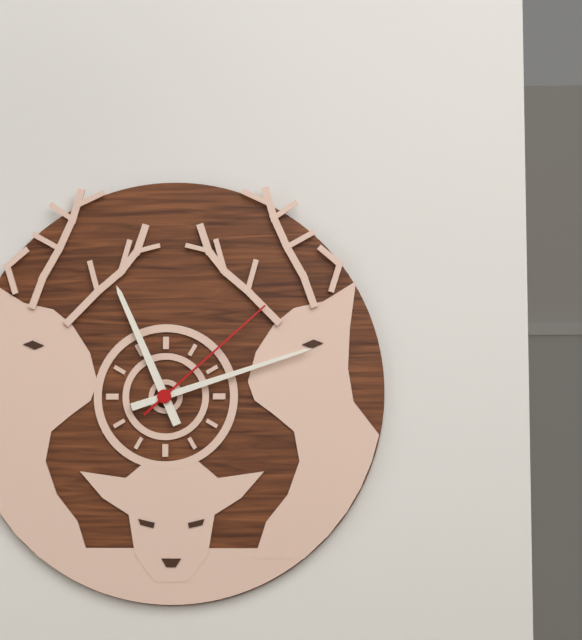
11:12:08
